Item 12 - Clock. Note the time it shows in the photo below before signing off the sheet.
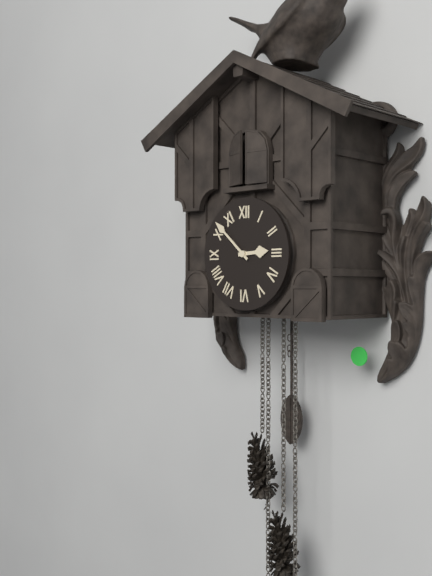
2:52
